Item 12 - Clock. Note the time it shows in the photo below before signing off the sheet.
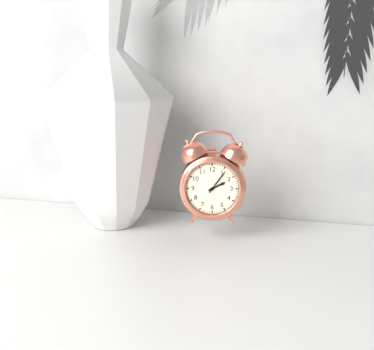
2:06
